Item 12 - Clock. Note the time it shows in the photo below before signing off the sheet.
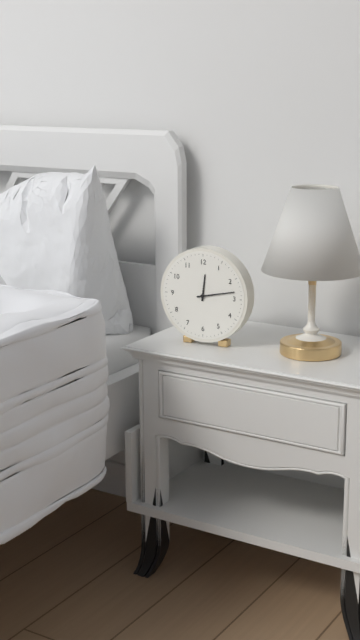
12:13
